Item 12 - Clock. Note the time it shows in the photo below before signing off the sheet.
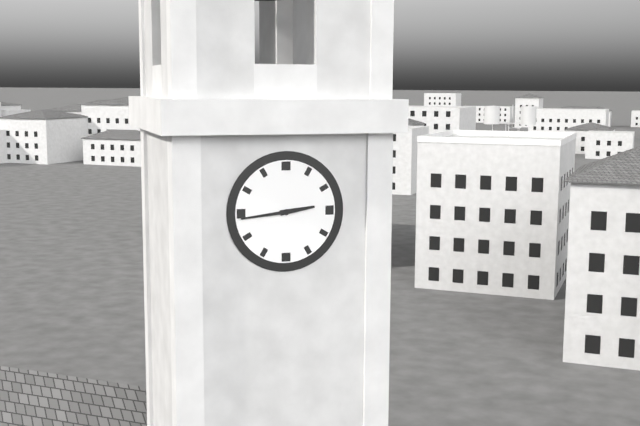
2:44
